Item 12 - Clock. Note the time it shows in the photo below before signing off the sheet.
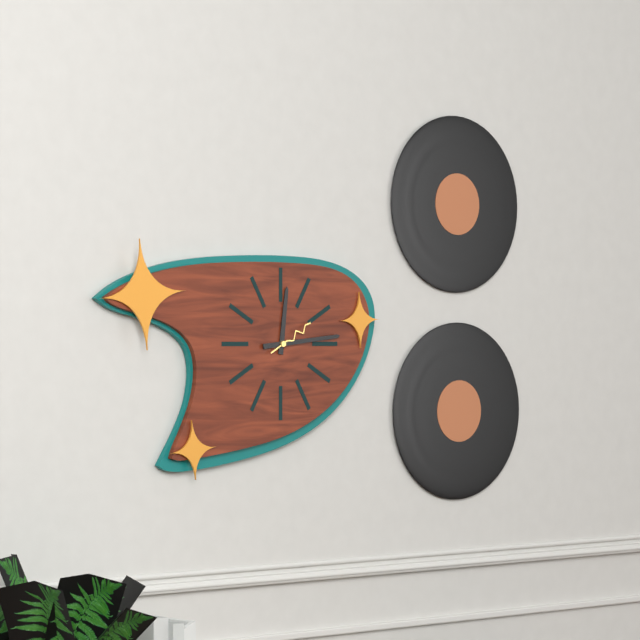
12:14:10
